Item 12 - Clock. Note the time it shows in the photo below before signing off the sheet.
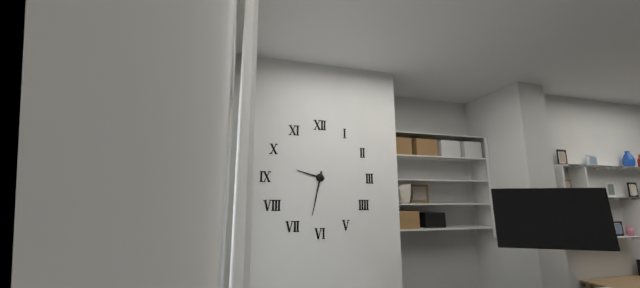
9:32
